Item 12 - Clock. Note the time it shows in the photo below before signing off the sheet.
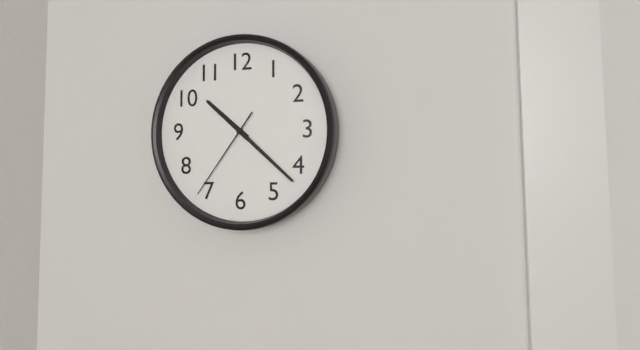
10:22:36
